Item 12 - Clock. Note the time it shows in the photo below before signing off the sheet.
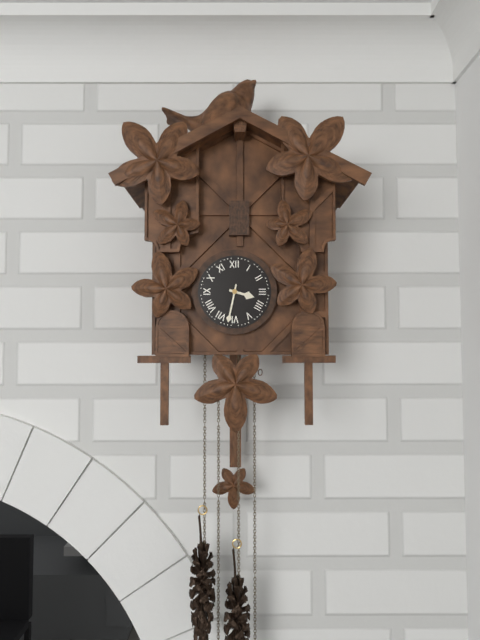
3:32
